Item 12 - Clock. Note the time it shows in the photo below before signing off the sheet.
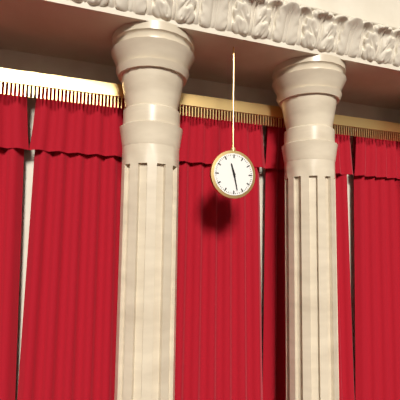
11:28
